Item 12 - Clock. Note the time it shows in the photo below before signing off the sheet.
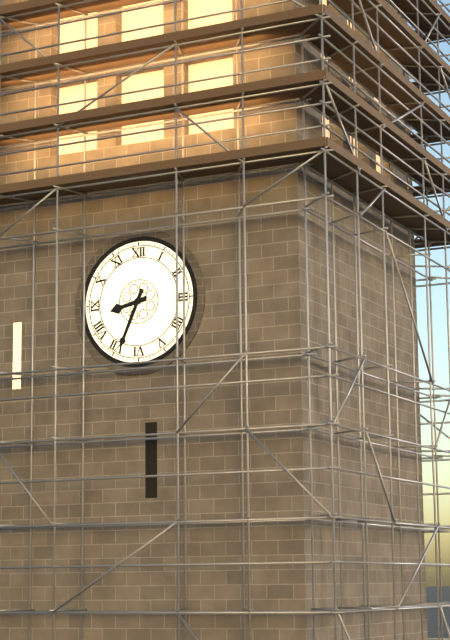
8:34
